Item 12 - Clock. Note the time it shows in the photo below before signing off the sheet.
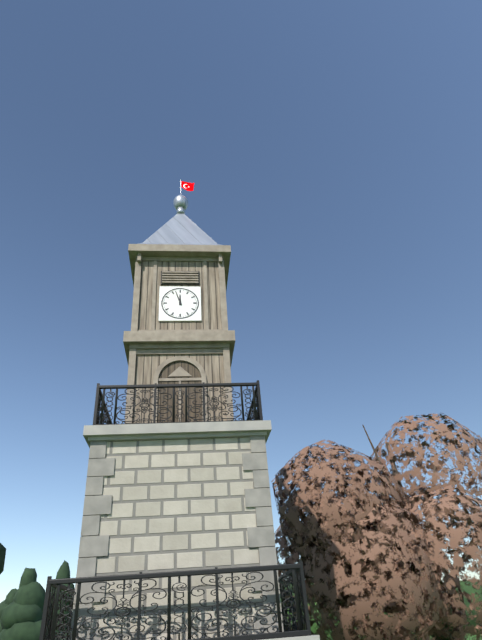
11:57
